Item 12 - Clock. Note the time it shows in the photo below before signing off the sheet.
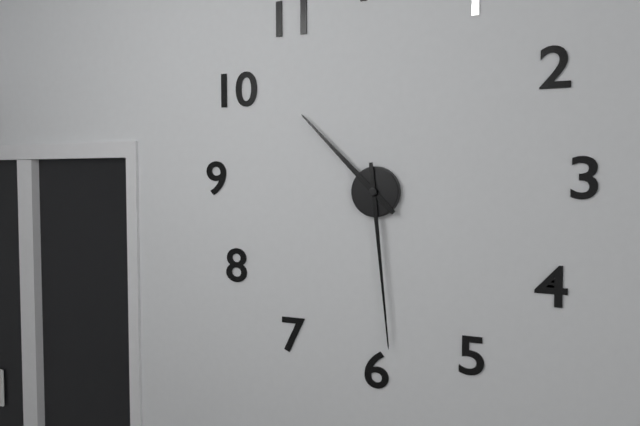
10:29
